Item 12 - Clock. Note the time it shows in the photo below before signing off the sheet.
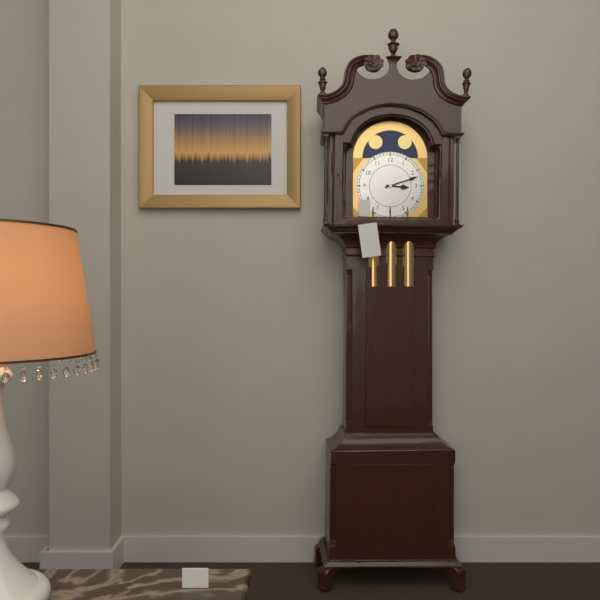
3:12
